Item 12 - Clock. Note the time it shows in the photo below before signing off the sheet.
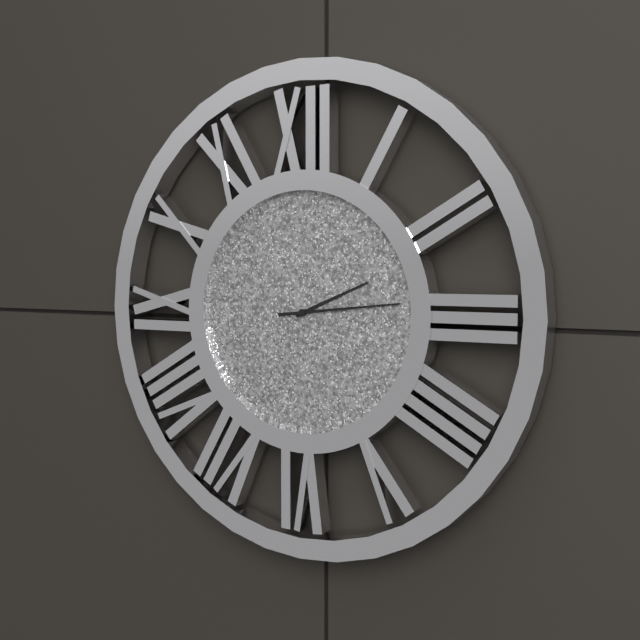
2:14
